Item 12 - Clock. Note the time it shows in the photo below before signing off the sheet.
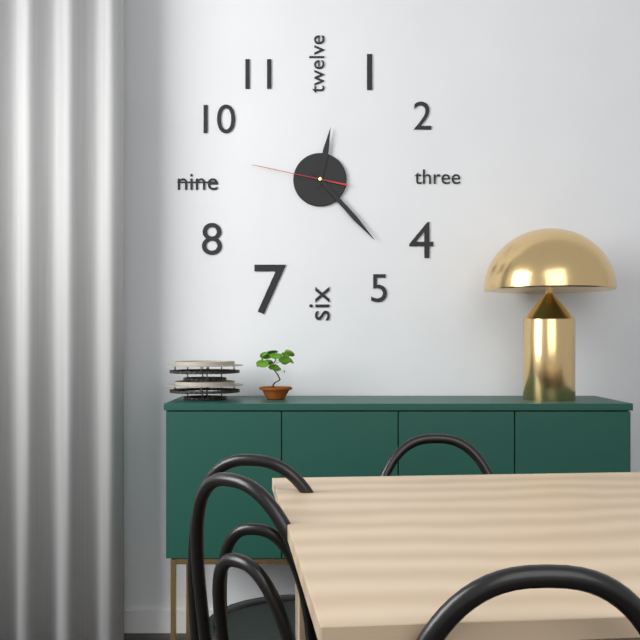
12:23:47
